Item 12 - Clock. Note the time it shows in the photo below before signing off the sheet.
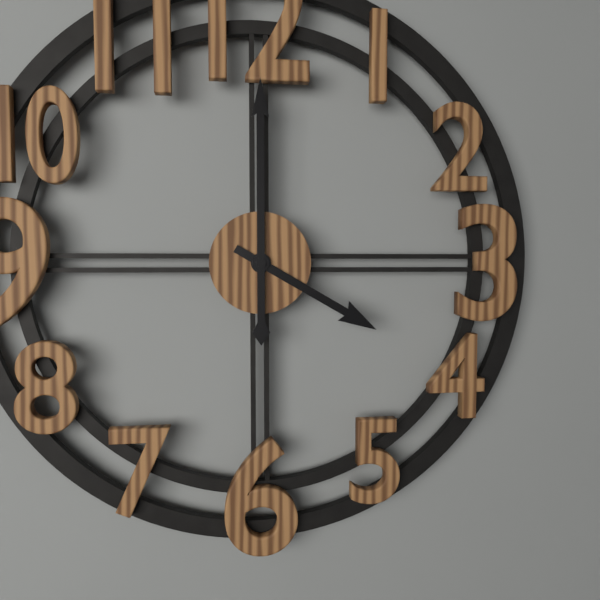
4:00
